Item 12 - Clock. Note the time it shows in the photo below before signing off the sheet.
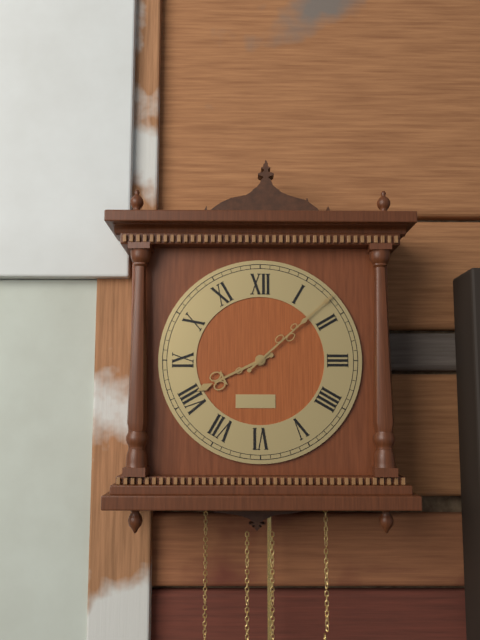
8:08
